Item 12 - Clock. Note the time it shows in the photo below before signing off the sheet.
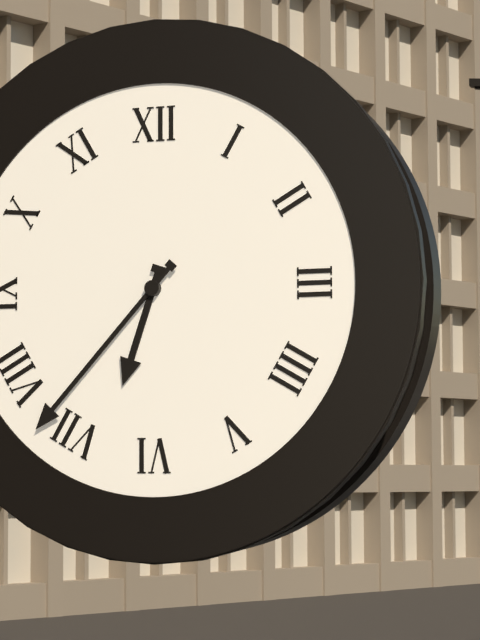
6:37
